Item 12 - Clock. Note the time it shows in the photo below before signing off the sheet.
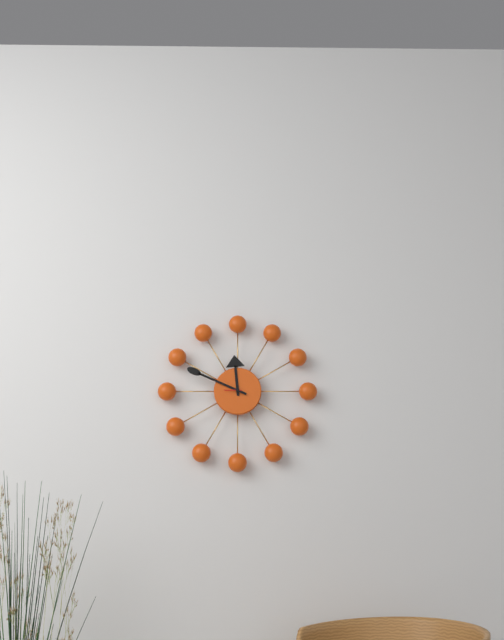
11:49
